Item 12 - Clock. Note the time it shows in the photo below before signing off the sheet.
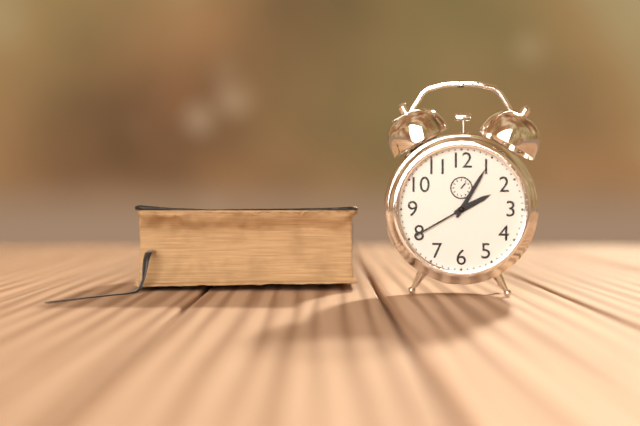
2:05:40
